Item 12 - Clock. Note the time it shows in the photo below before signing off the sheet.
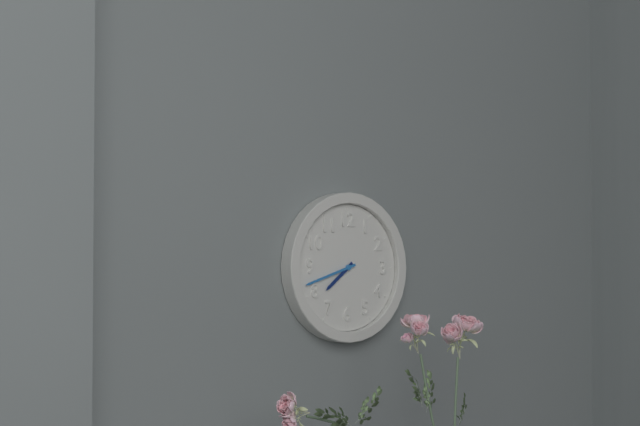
7:42
